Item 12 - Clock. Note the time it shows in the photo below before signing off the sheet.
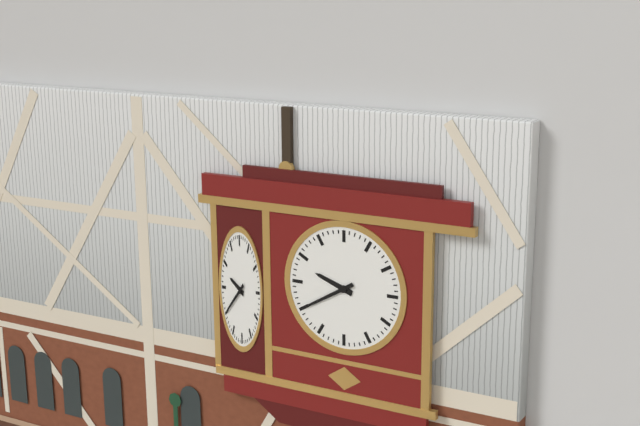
9:40
